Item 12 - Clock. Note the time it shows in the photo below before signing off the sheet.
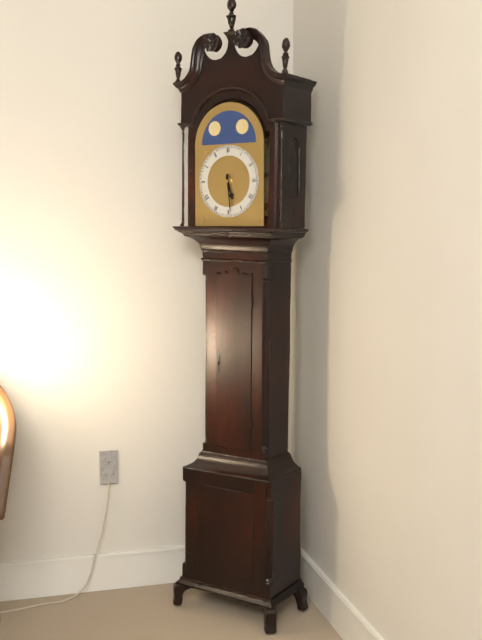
5:29
